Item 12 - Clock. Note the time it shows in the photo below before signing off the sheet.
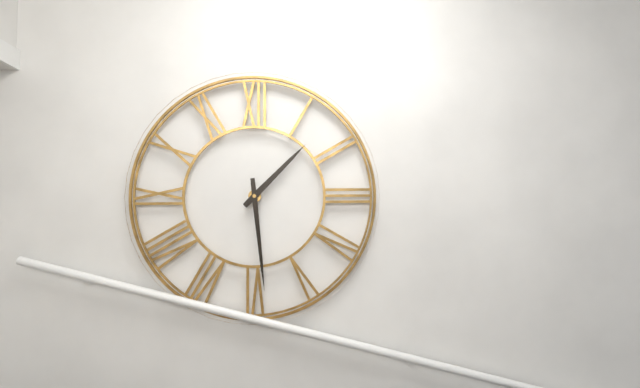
1:29
